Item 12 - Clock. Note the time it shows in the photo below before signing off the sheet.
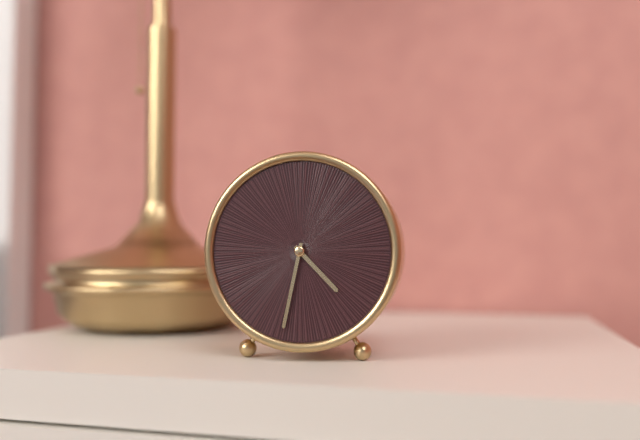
4:32
